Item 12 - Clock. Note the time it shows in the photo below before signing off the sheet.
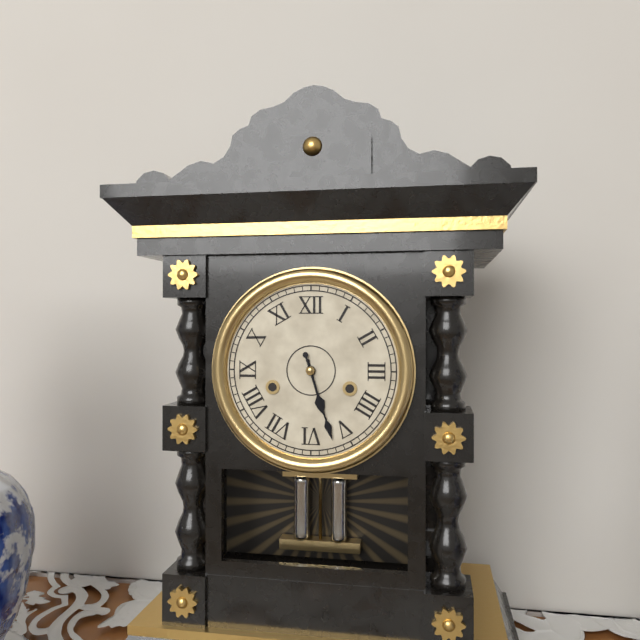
5:27
